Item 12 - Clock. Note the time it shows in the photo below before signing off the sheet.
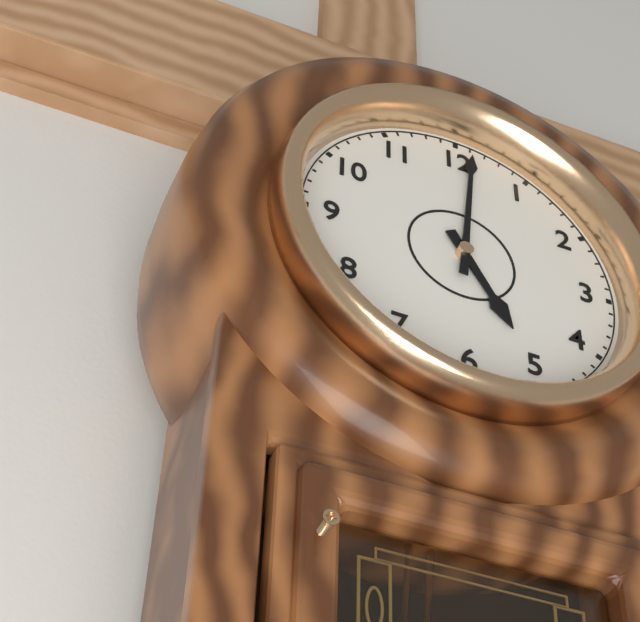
5:01
